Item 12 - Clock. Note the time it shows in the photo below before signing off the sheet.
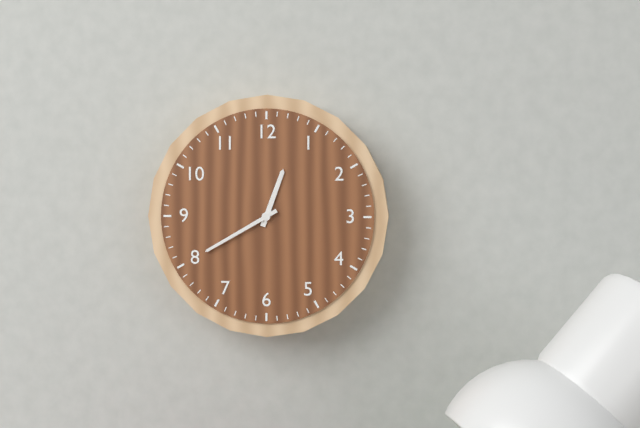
12:40
